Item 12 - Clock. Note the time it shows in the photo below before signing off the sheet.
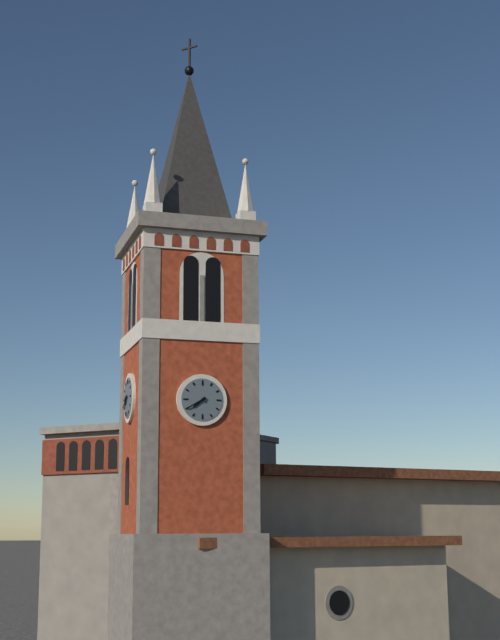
7:40
